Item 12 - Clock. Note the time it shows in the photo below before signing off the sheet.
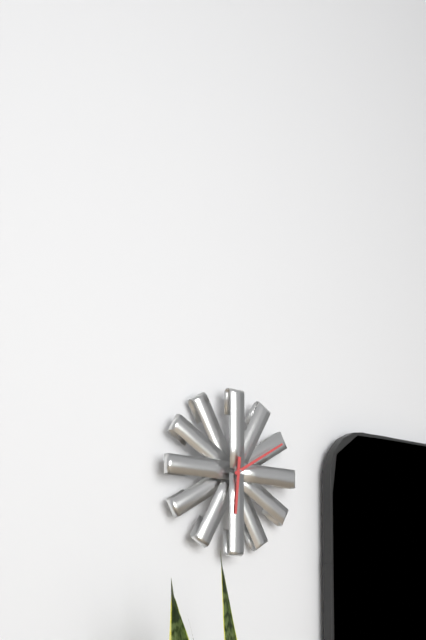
6:10
